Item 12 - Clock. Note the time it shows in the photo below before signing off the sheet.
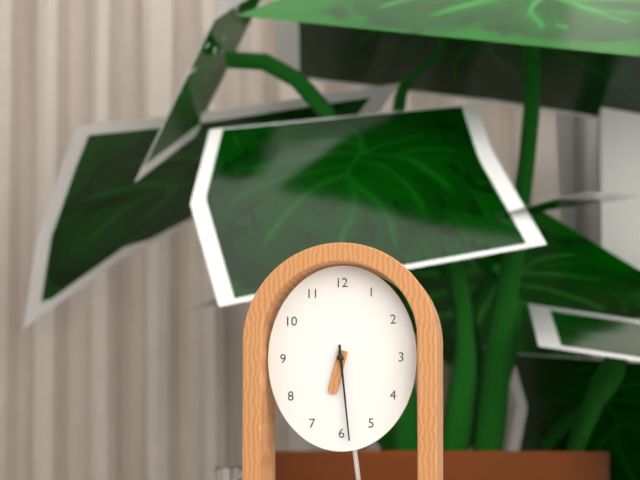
6:29
